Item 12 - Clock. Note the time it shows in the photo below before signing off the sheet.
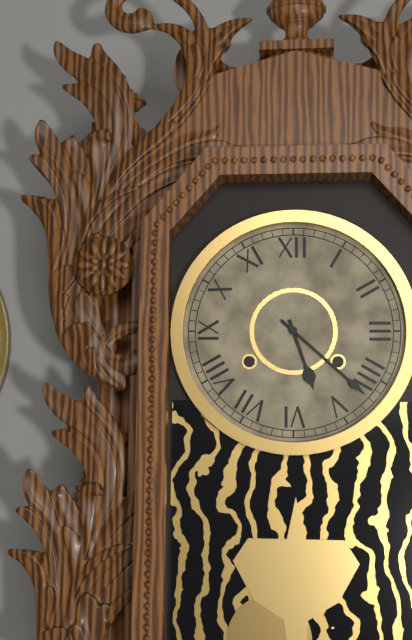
5:22
